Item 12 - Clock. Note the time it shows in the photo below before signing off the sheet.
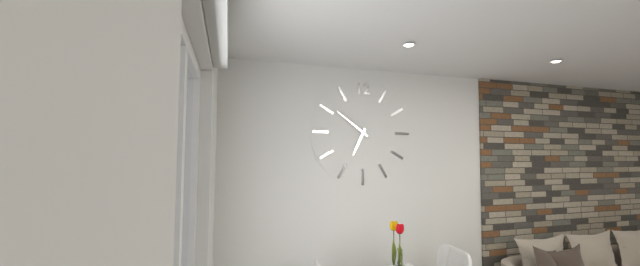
6:51
